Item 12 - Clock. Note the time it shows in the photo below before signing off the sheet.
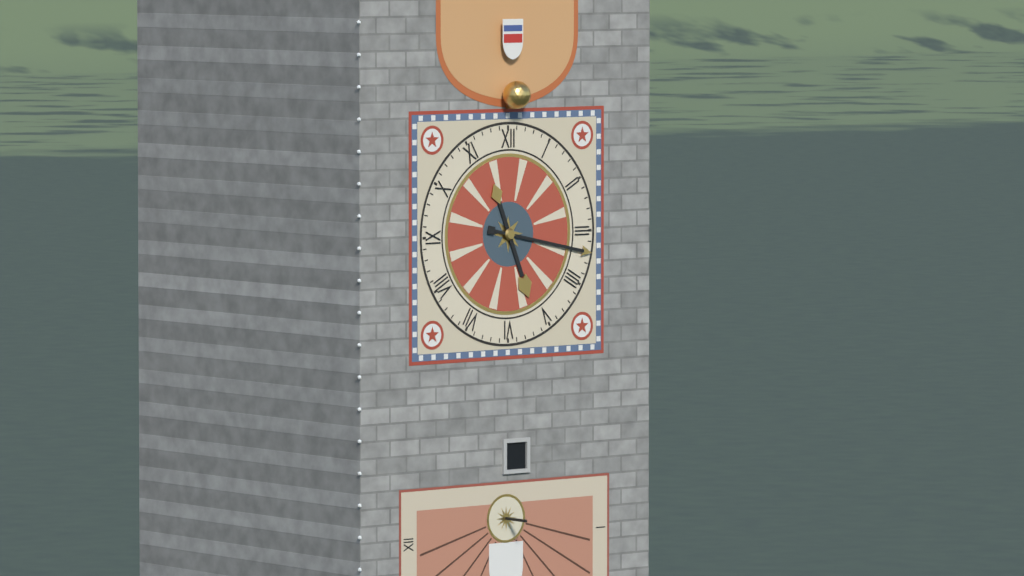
5:17
